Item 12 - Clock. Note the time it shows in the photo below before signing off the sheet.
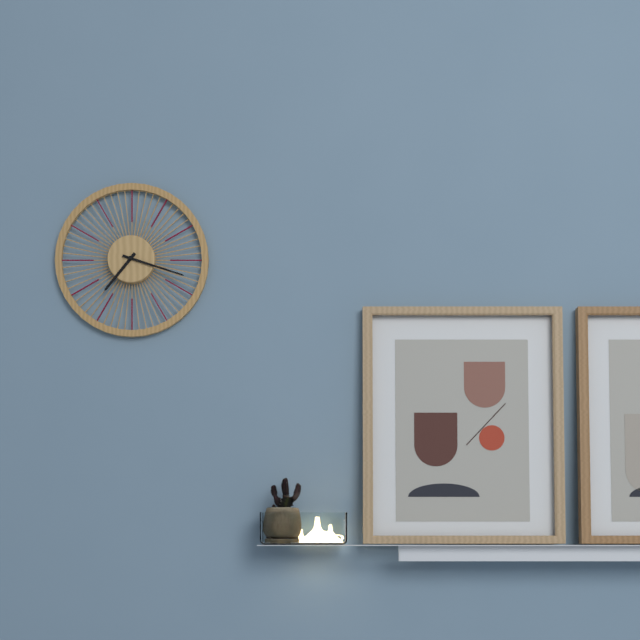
7:18
